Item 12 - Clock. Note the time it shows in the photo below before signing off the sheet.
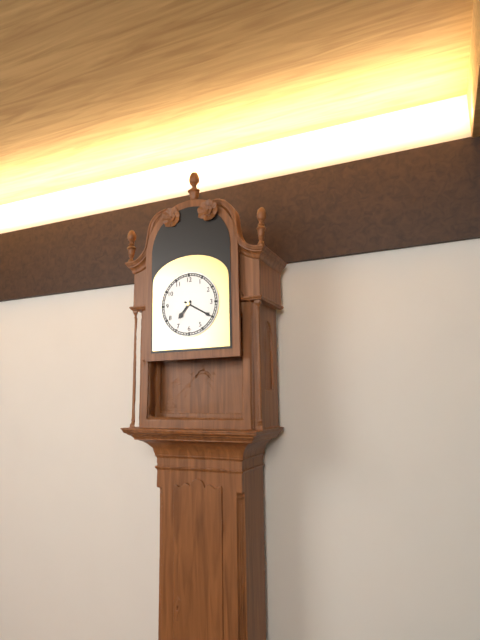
7:20
